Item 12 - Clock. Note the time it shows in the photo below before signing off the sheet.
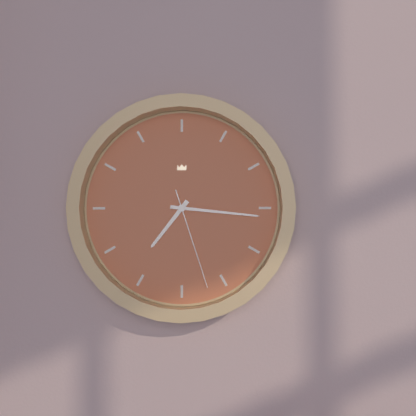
7:16:27
